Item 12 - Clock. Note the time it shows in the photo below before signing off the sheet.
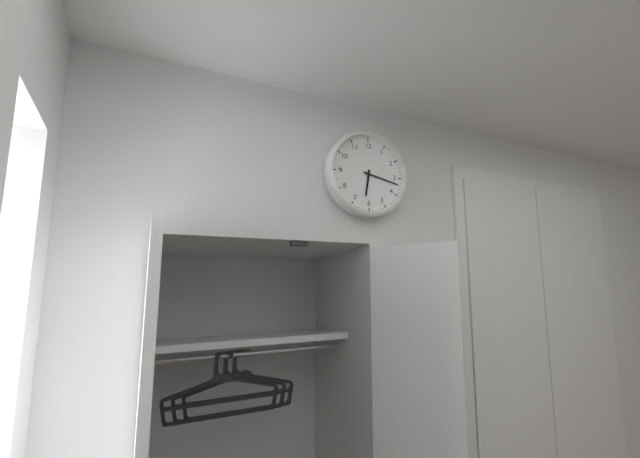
6:17
